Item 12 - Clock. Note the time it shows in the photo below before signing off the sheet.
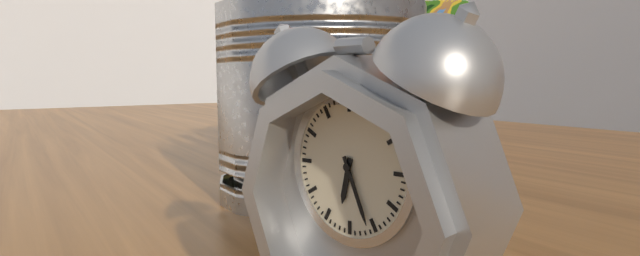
6:26
